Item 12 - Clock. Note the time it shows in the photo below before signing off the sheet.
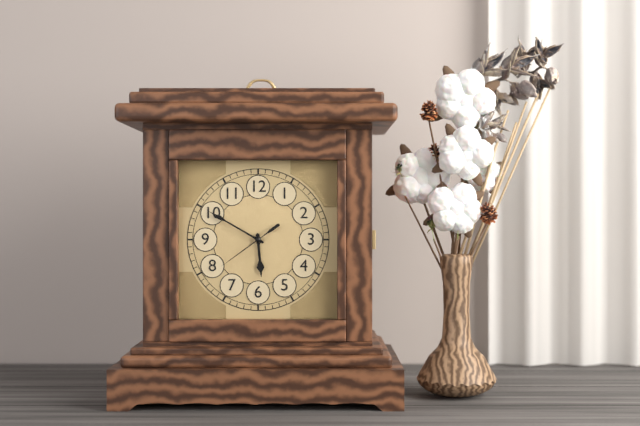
5:50:39
